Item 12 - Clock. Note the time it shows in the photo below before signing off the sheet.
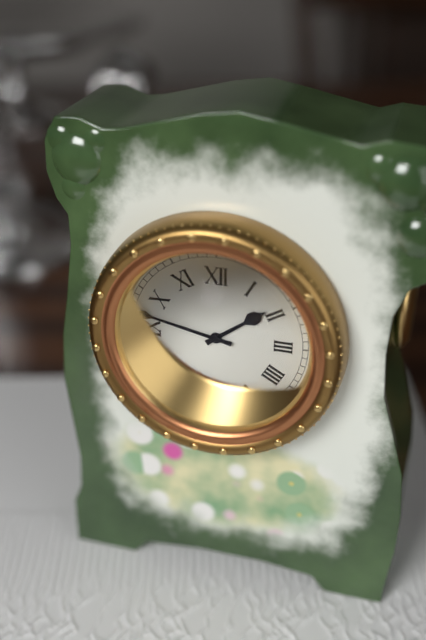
1:47
